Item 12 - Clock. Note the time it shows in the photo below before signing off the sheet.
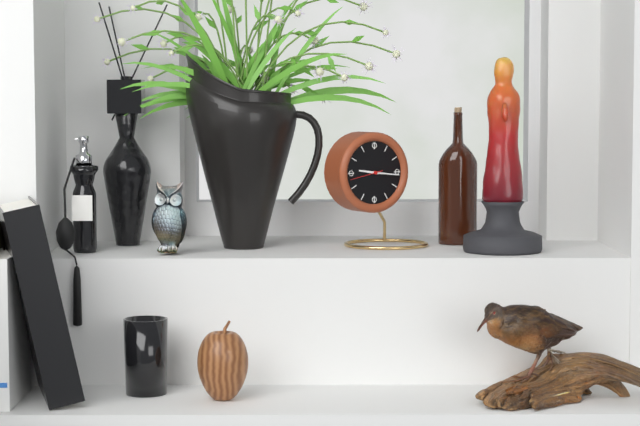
9:16
